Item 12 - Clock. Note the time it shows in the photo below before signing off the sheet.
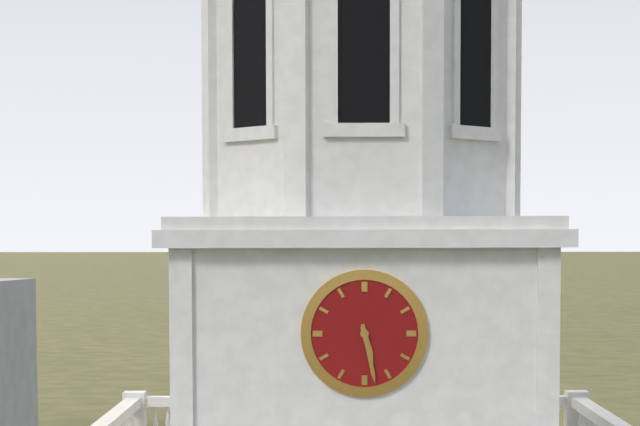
5:28
